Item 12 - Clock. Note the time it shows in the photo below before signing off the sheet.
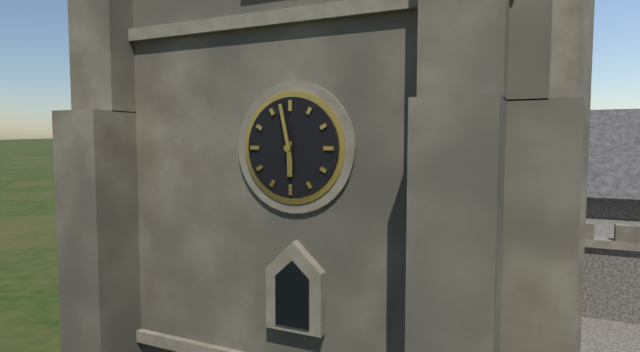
5:58
